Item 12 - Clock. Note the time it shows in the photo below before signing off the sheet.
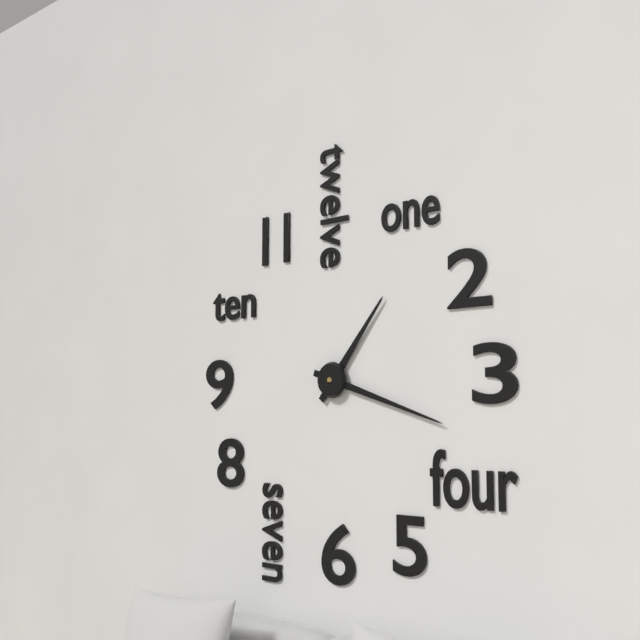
1:18
